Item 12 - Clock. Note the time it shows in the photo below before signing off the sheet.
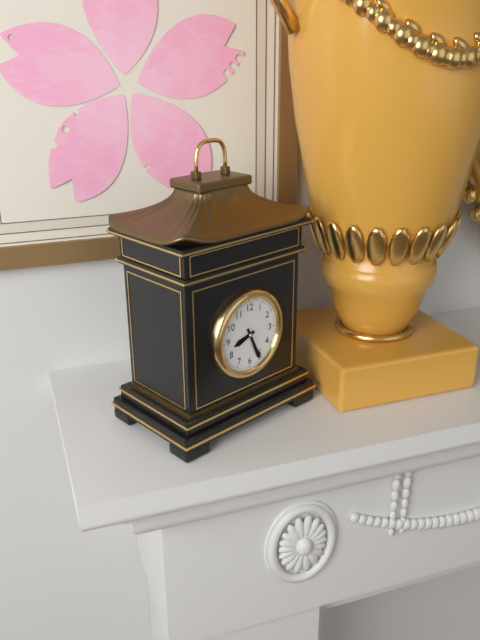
8:26
